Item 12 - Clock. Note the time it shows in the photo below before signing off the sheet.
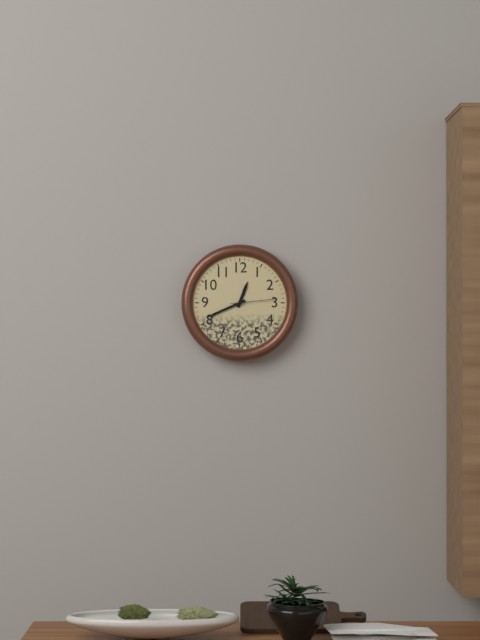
12:41
